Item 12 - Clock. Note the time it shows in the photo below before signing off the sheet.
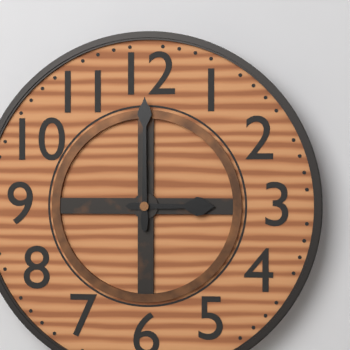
3:00
